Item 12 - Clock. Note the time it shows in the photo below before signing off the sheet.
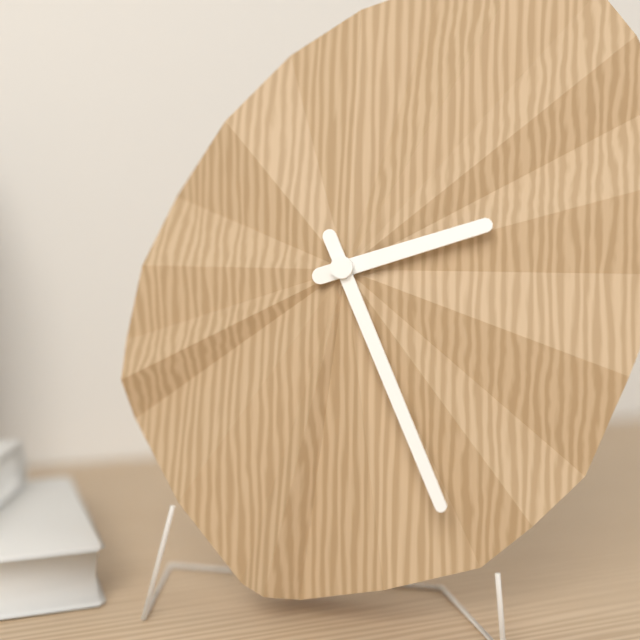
2:26
